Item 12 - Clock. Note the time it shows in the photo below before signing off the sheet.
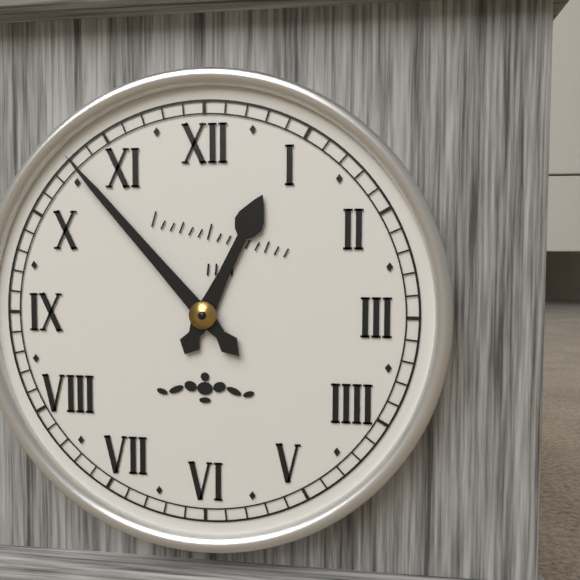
12:53
